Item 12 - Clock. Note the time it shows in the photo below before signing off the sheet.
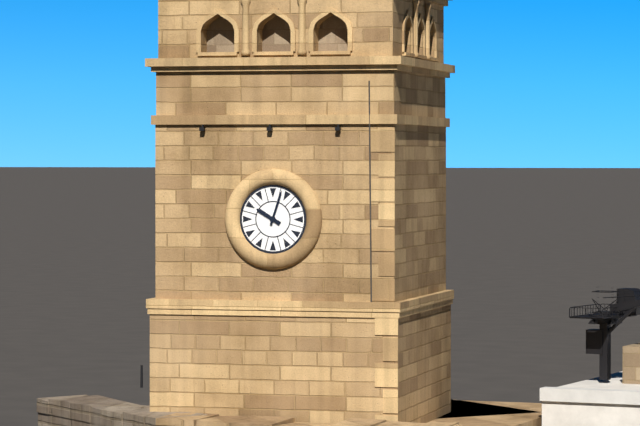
10:03
